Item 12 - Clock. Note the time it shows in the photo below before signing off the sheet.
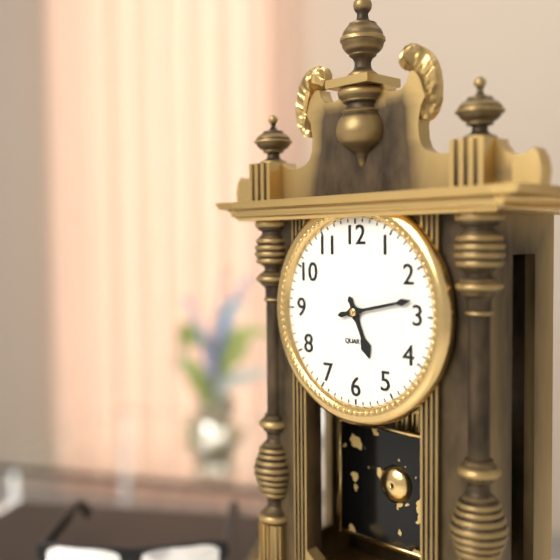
5:13
